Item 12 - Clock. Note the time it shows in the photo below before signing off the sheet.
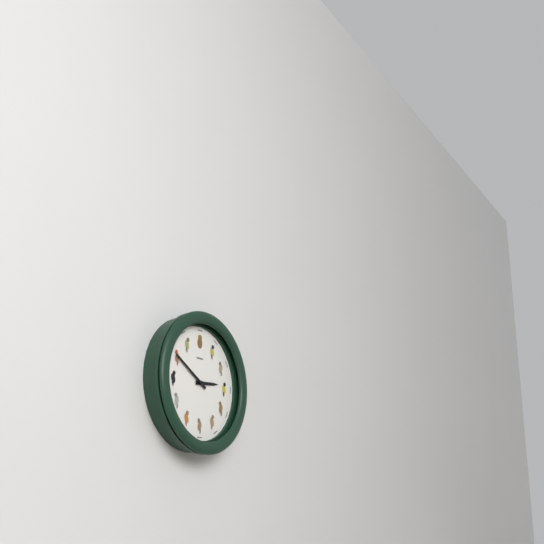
2:50
